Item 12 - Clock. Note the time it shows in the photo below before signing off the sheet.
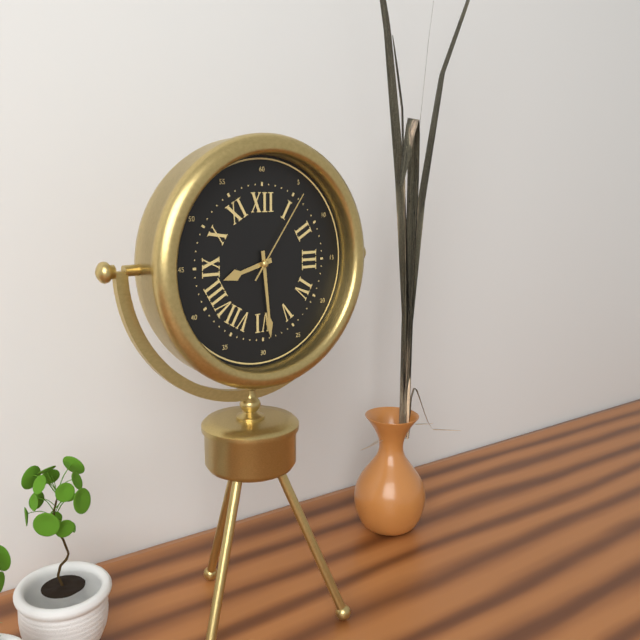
8:29:06
